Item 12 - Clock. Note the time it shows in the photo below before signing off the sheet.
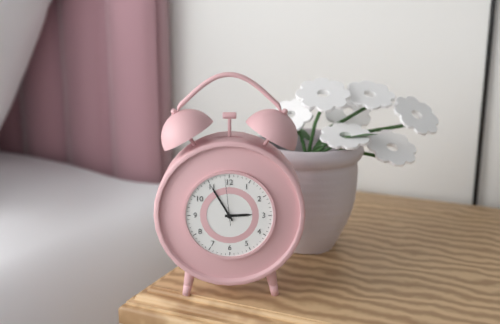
2:55
